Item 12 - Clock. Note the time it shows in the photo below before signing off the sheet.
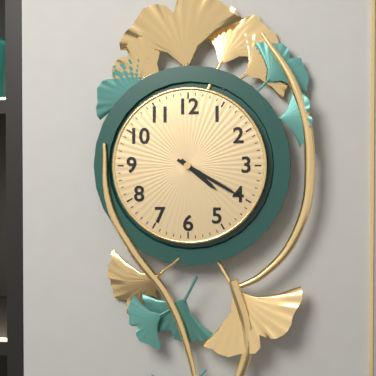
4:20
